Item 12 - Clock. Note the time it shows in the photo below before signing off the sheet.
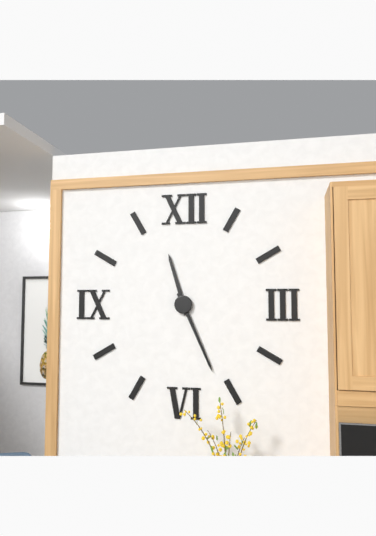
11:26
